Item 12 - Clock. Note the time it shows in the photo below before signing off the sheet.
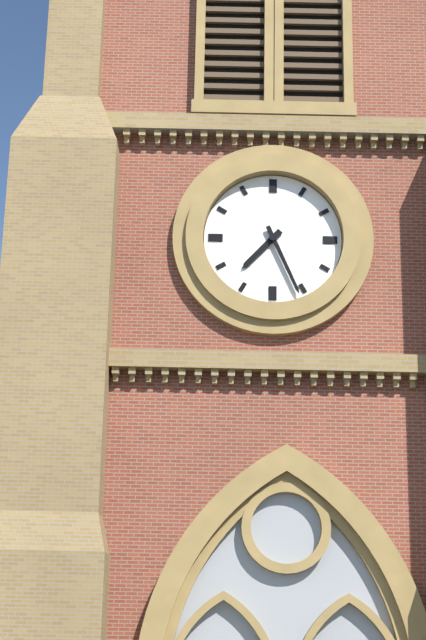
7:26
